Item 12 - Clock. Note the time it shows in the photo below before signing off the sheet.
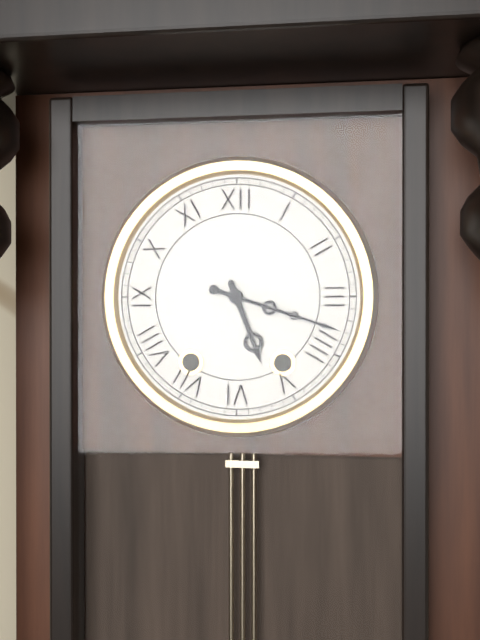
5:18
